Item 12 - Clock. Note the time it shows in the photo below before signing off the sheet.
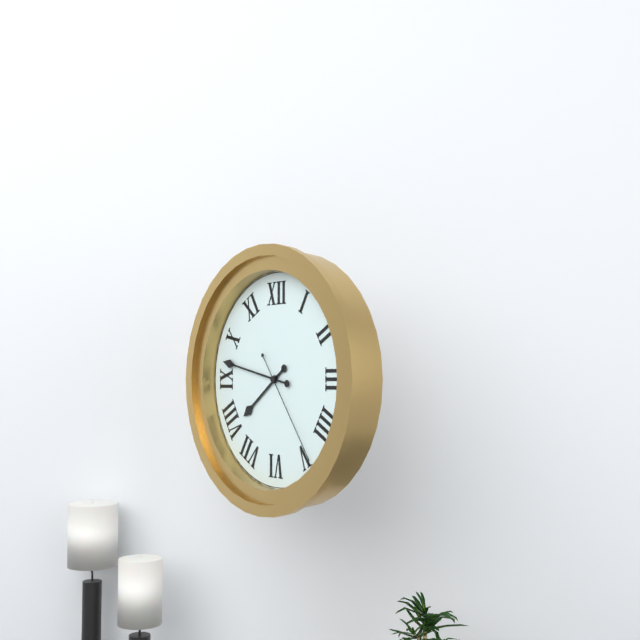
7:47:24
